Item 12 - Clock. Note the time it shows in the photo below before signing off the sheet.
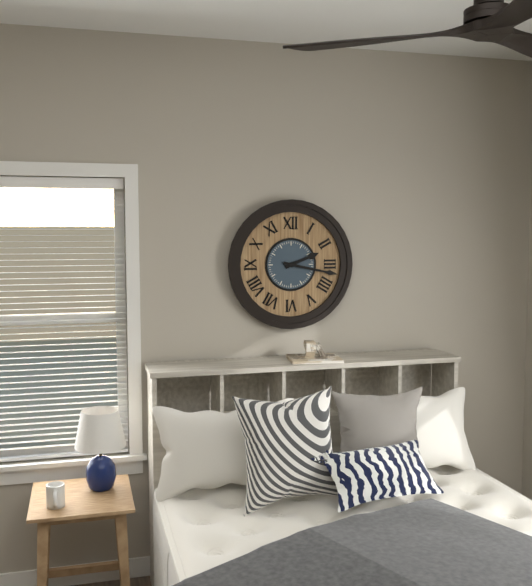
2:17
